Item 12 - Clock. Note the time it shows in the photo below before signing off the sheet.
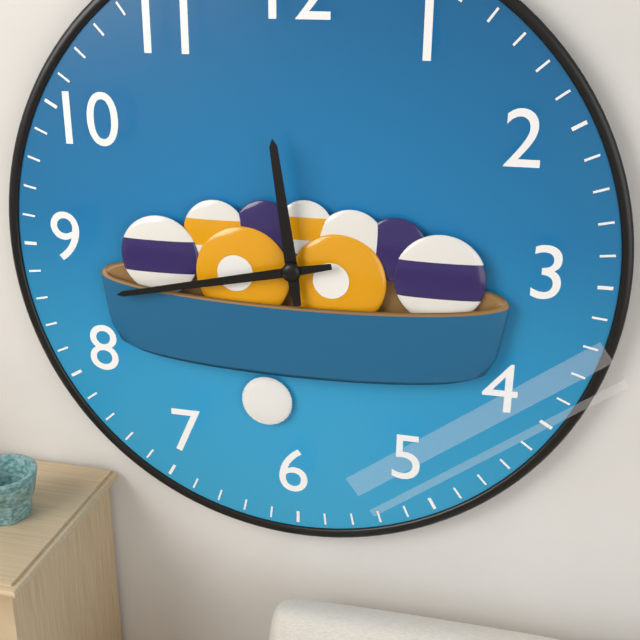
11:43
